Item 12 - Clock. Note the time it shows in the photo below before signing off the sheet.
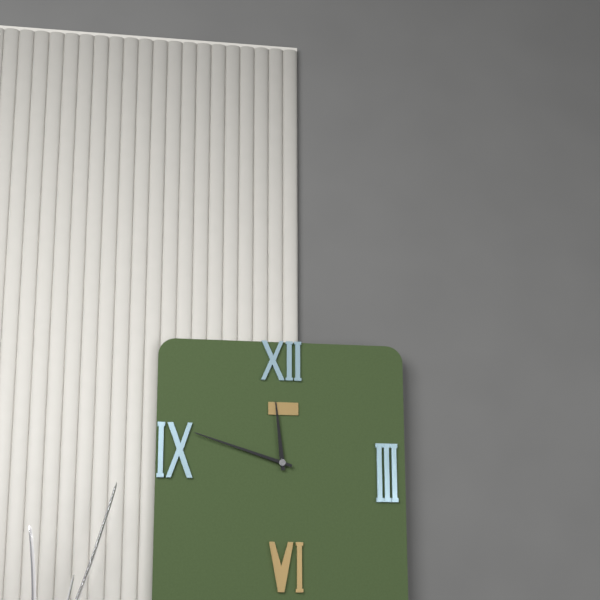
11:48
